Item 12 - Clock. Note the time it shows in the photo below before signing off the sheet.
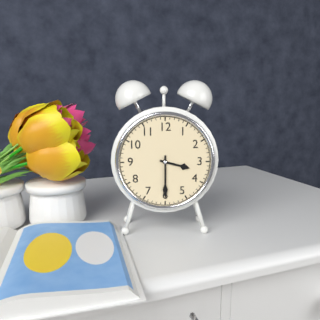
3:30
